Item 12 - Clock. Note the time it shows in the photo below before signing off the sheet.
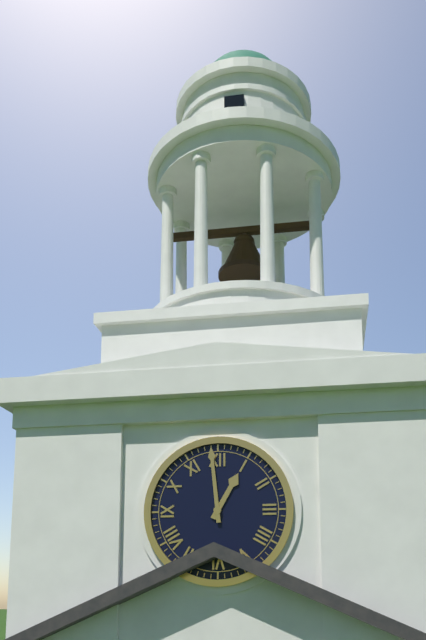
12:59
